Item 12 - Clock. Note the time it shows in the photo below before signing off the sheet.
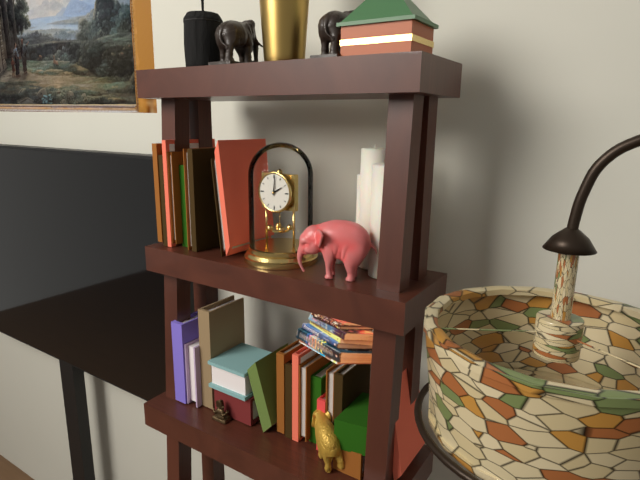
2:01
